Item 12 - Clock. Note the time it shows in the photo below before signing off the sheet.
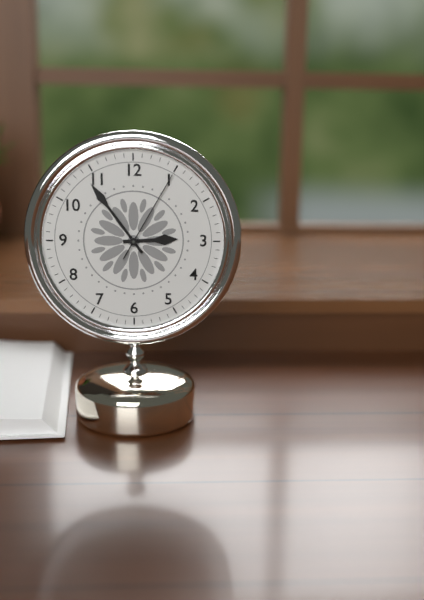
2:54:05
